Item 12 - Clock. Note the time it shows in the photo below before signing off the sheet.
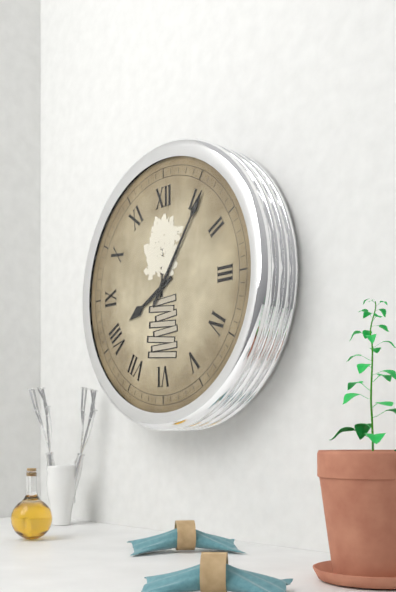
8:06
